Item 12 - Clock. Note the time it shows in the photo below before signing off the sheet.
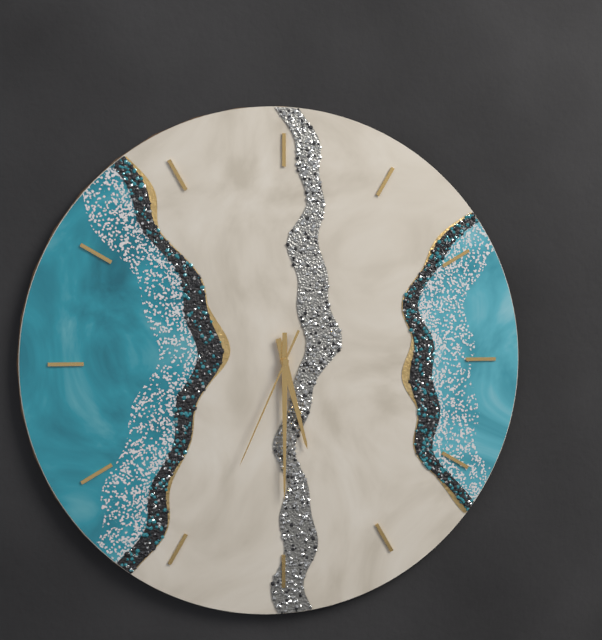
5:30:34
